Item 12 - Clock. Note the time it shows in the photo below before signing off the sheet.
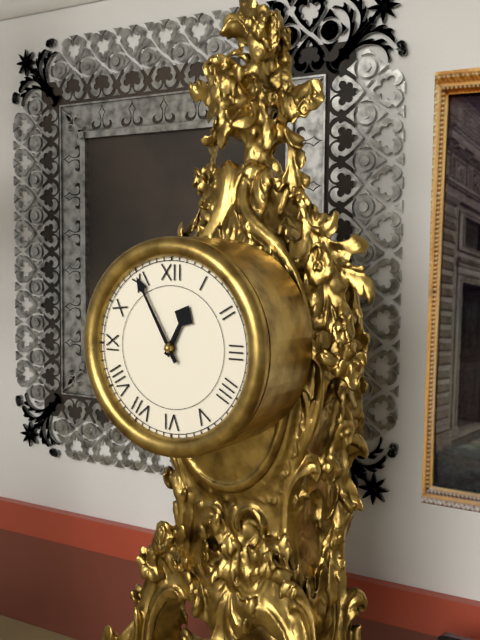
12:55
